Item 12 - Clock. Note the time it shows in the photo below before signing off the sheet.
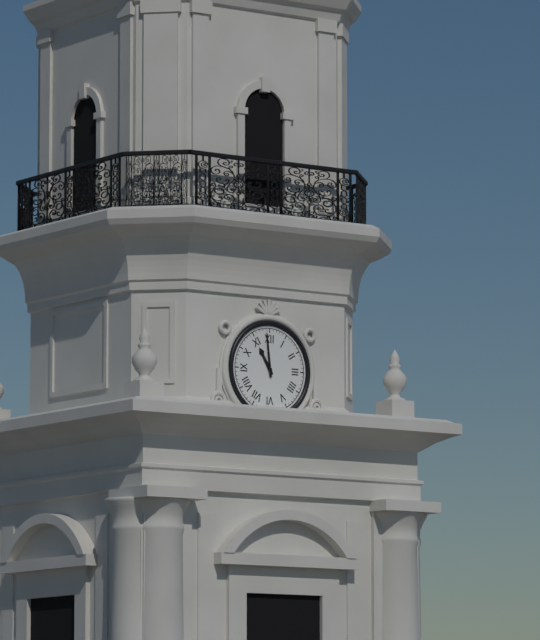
10:59
